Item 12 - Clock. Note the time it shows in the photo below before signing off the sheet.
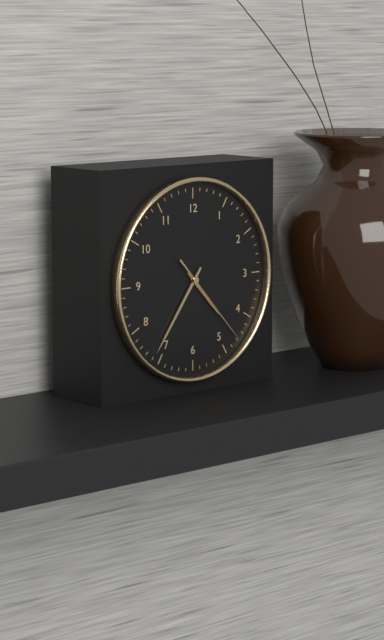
4:36:23
